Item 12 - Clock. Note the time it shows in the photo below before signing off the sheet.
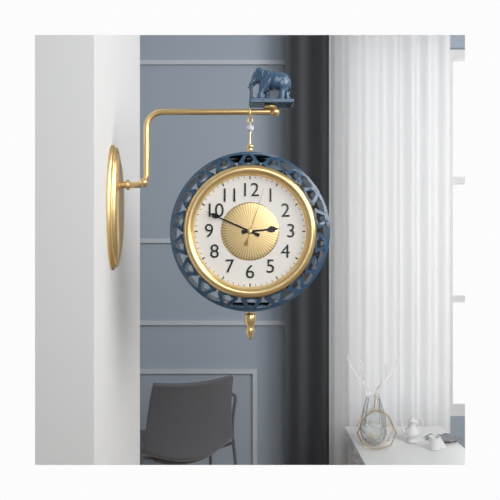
2:49:03
